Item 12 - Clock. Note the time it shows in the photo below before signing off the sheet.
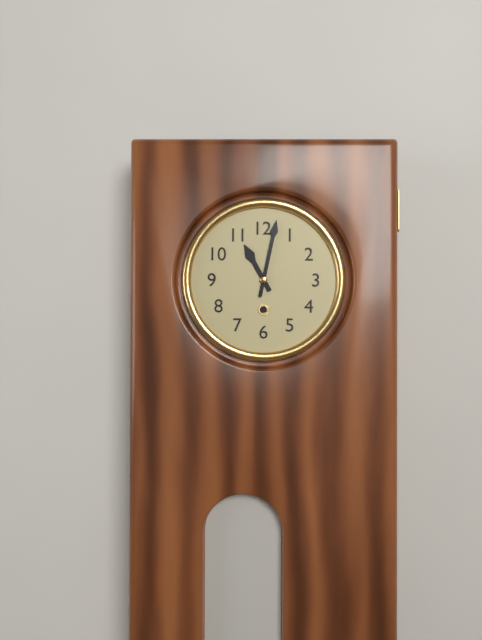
11:02
